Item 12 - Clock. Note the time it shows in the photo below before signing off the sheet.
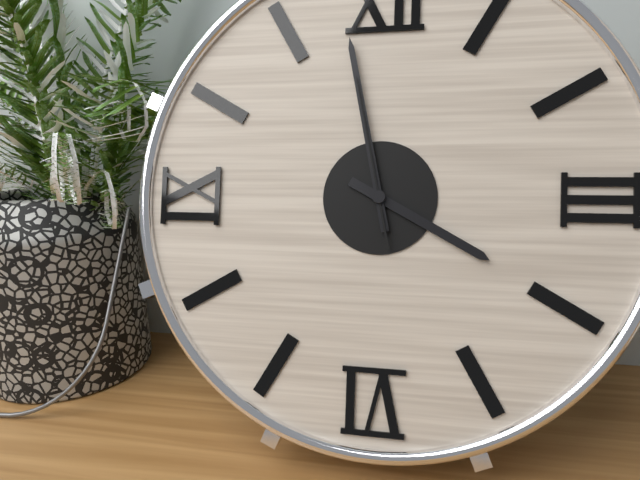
3:58:58
